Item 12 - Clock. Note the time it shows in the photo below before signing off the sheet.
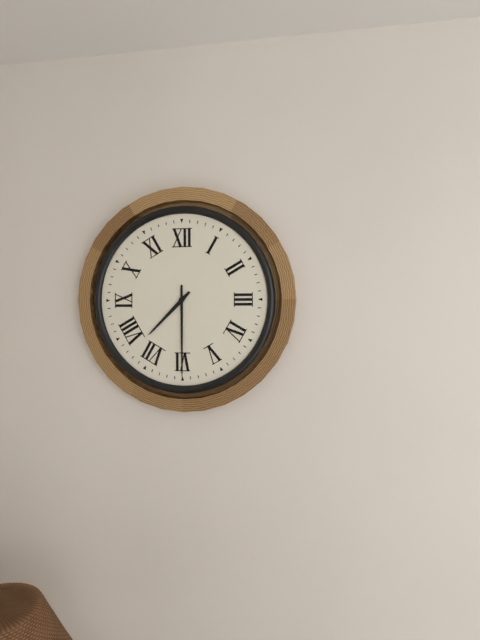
7:30
